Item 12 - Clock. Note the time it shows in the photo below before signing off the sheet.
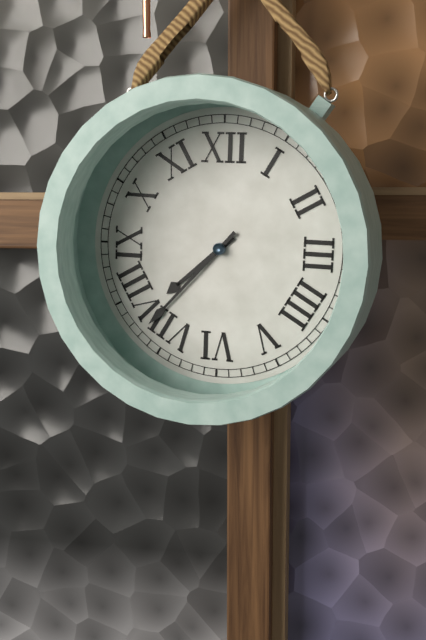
7:37
